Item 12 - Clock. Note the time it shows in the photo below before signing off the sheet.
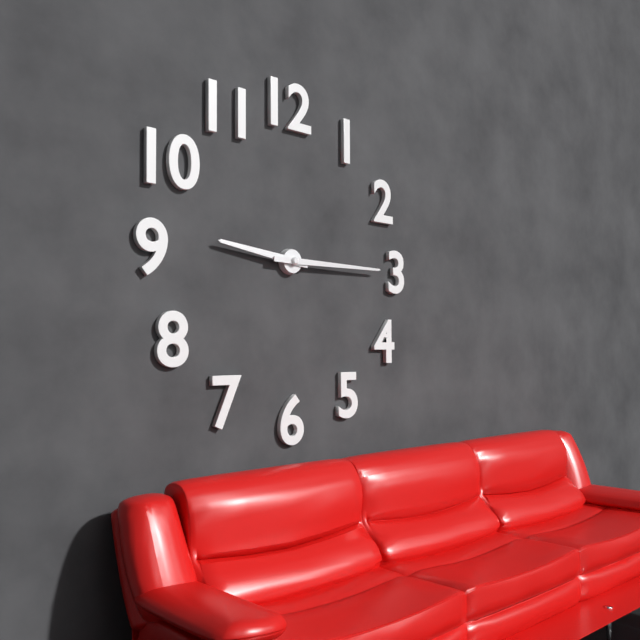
9:15
